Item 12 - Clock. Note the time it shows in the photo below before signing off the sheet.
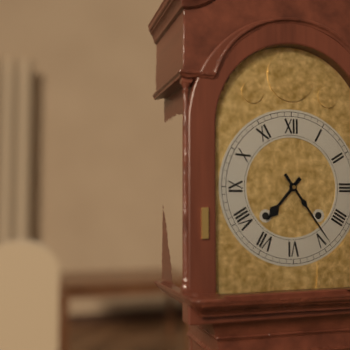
7:24
